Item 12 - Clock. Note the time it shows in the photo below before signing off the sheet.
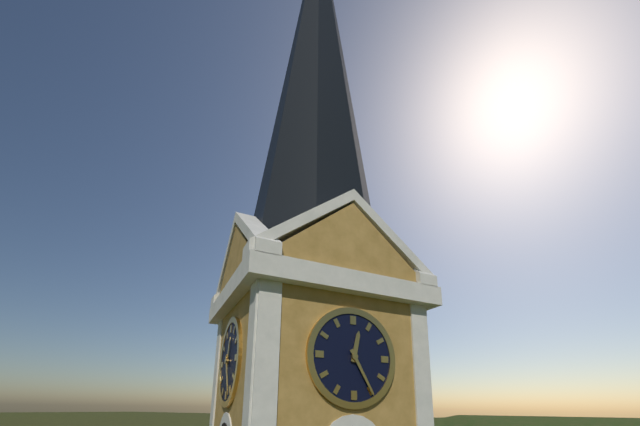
12:25
